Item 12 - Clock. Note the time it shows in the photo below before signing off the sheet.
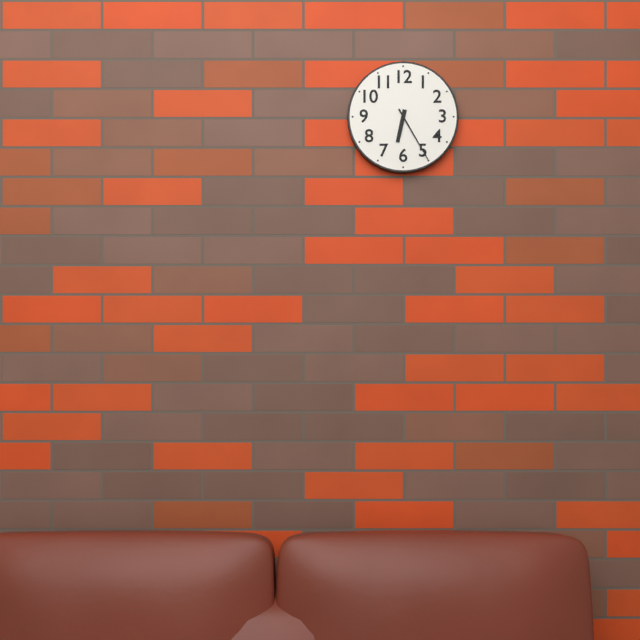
6:25
